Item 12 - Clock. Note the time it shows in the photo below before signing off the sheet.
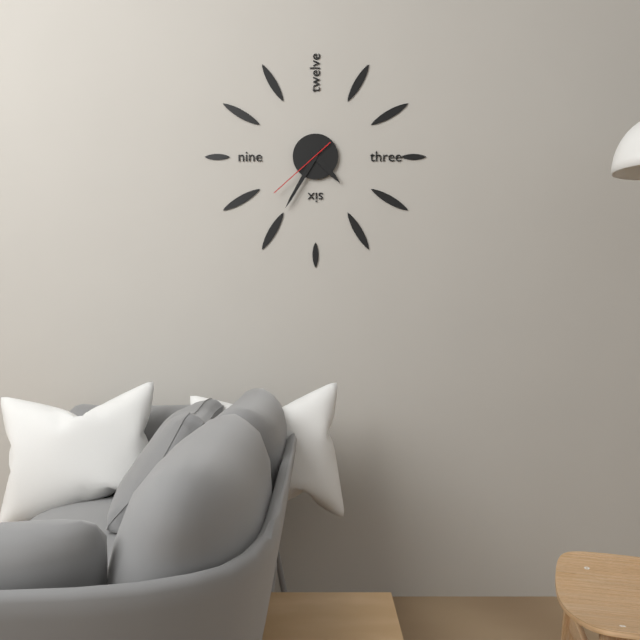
4:35:38
